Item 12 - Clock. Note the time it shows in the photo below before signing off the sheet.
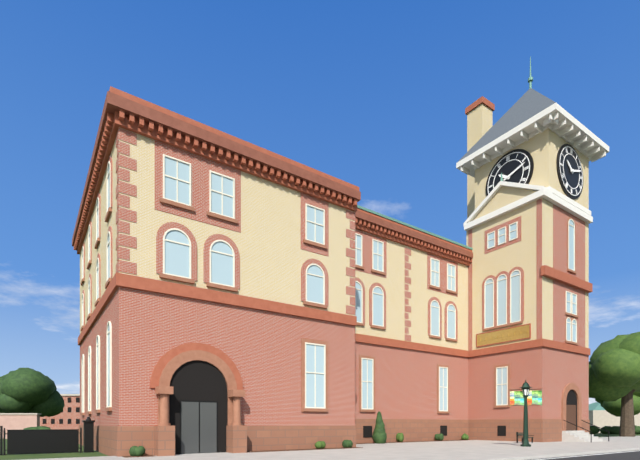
10:12
